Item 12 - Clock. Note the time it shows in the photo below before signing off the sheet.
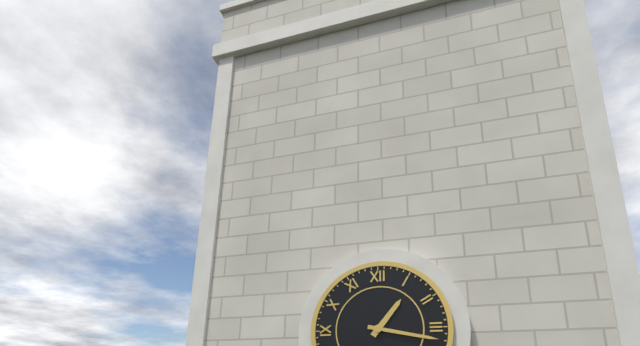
1:17
